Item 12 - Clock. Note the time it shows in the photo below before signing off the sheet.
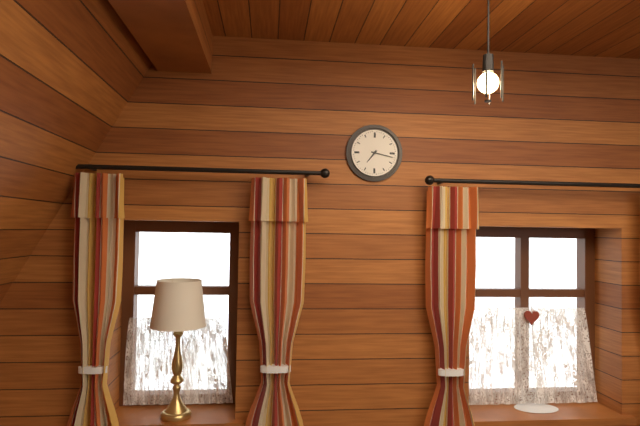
7:17
